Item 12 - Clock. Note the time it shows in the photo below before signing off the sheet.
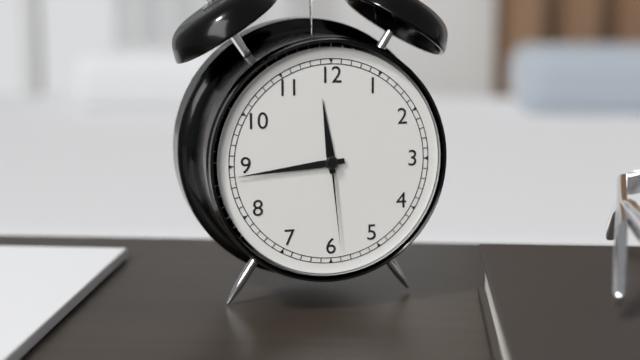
11:44:29
